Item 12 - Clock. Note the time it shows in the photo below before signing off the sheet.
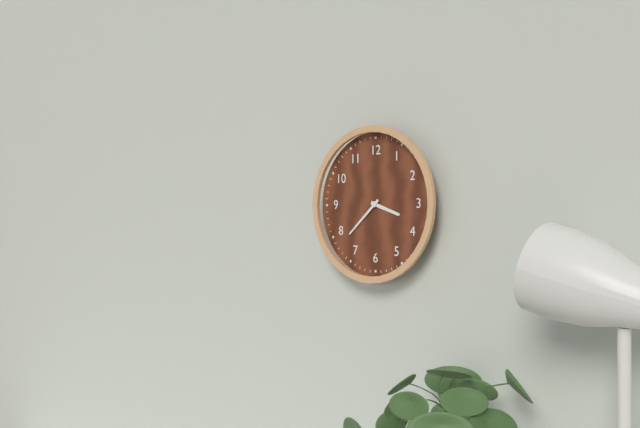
3:38
